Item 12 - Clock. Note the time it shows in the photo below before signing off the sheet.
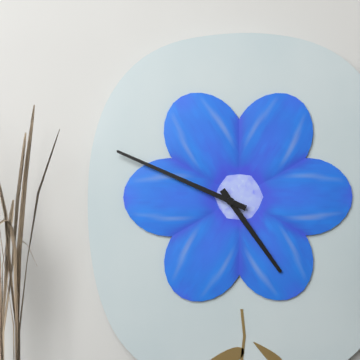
4:49
